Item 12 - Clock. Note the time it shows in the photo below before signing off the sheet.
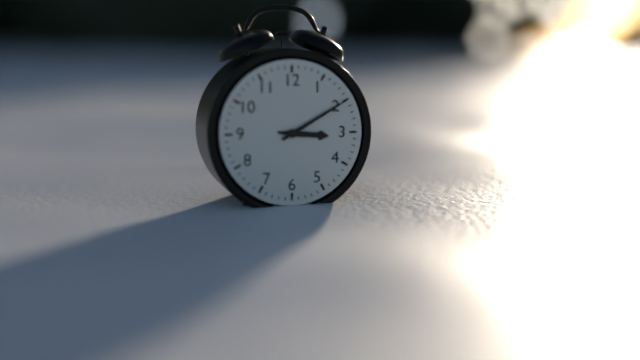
3:10
